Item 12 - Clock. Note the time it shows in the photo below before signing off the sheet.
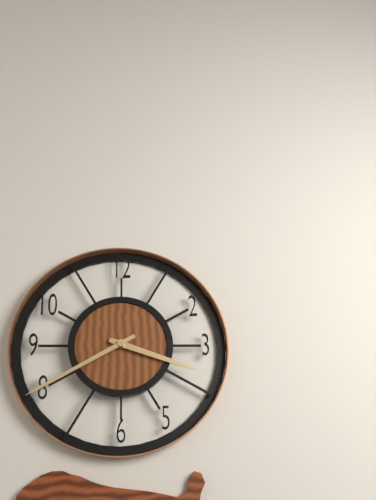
3:40
